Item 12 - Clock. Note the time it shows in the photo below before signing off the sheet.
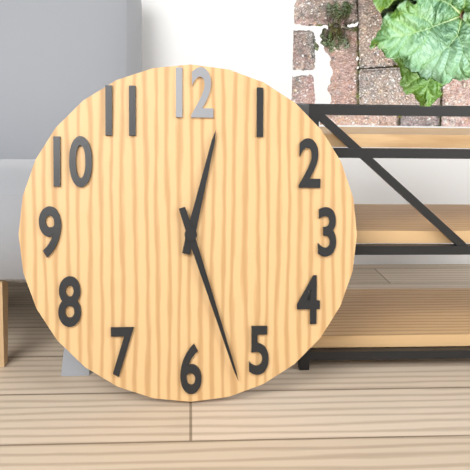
12:27
